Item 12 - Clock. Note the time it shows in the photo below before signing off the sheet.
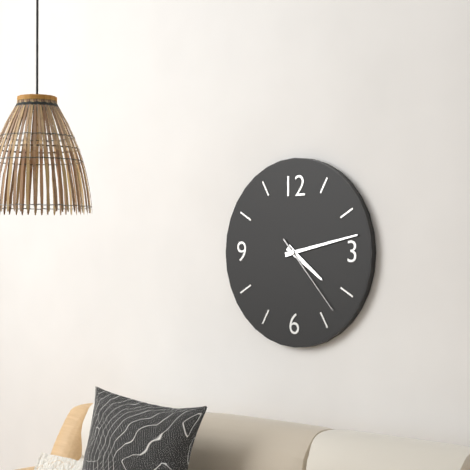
4:13:23
